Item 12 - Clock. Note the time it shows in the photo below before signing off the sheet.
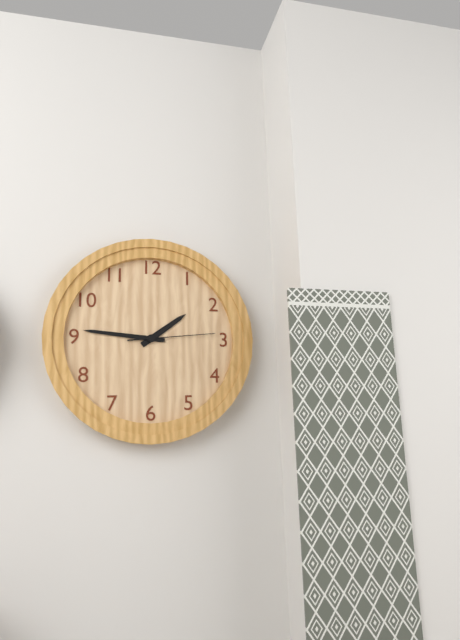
1:46:14
